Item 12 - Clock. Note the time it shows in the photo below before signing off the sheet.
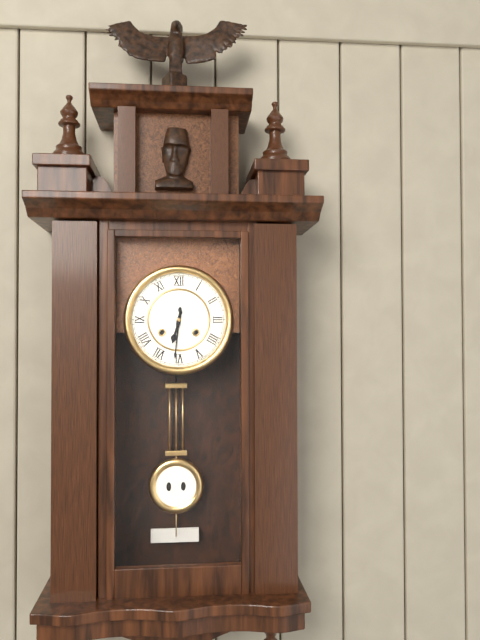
6:31
